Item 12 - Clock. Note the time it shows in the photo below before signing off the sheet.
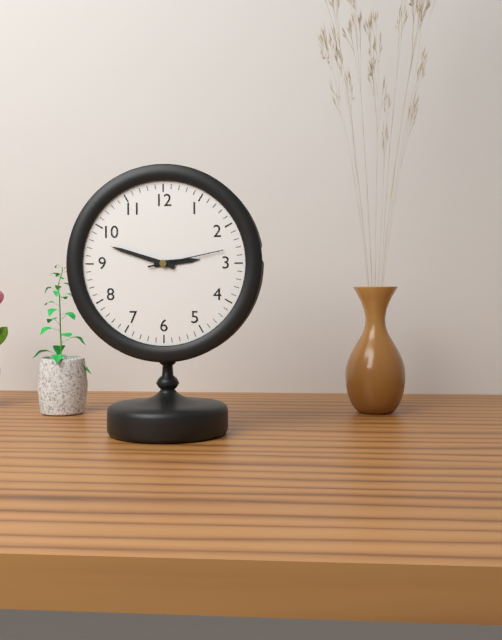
2:48:13
